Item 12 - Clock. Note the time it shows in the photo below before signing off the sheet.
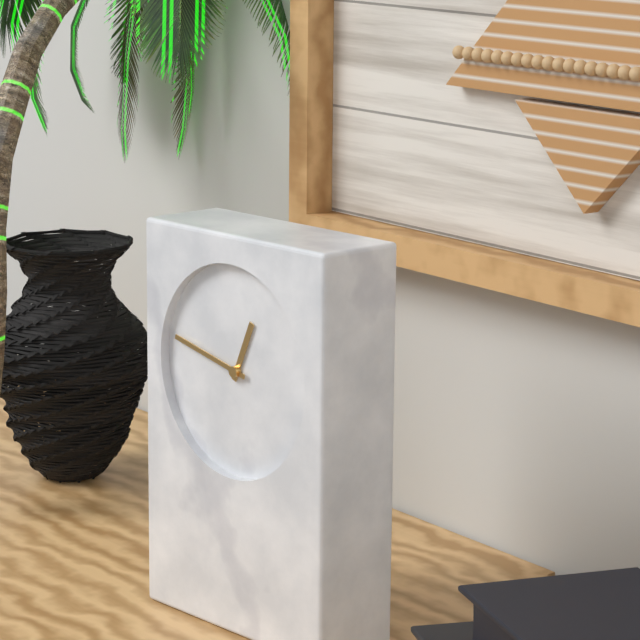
12:47
